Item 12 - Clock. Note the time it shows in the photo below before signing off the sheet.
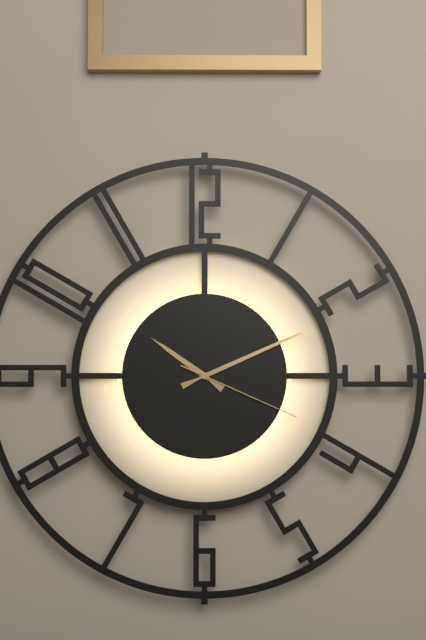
10:11:19
